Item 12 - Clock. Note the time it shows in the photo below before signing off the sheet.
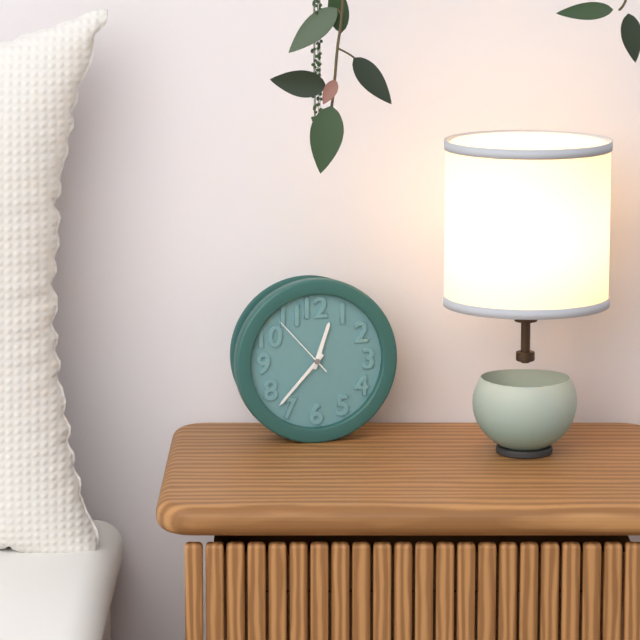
12:37:53
